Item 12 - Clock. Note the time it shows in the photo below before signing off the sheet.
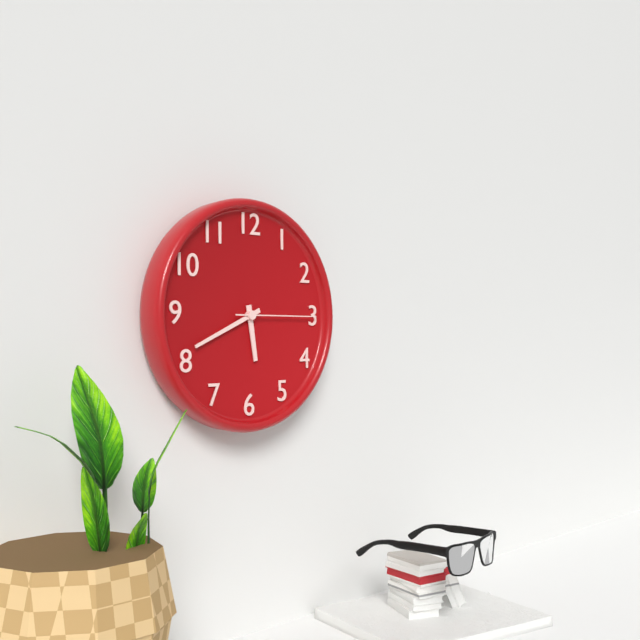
5:41:15
